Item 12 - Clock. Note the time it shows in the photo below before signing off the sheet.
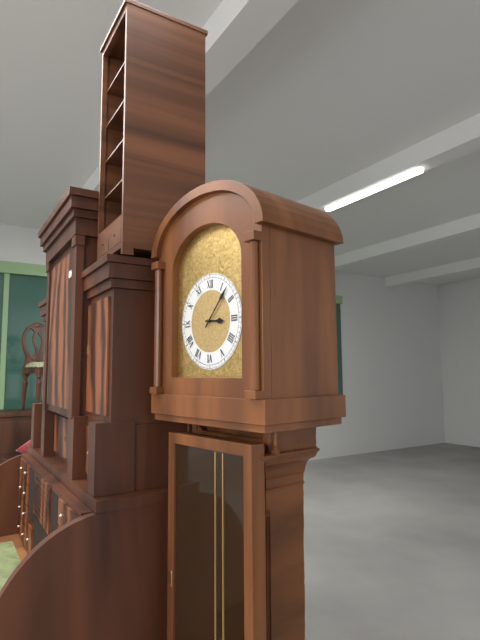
3:07
